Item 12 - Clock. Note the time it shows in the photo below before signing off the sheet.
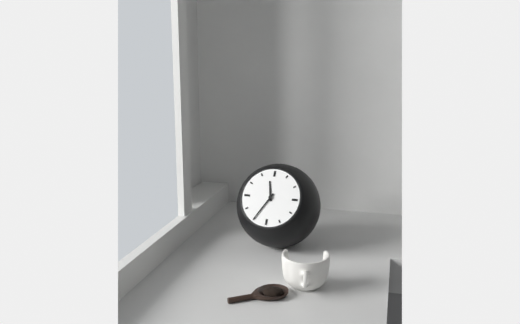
11:35
